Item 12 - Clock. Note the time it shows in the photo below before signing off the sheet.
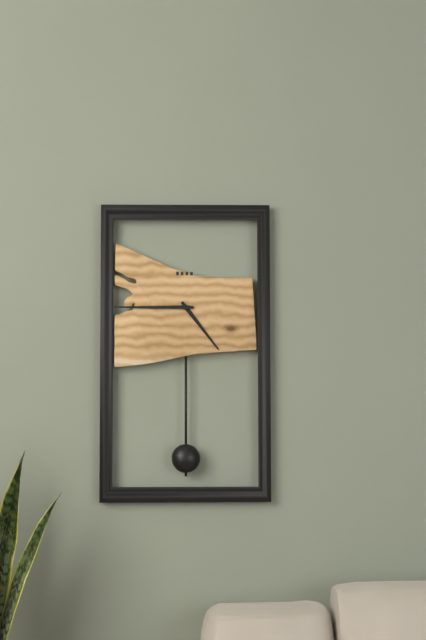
4:45
